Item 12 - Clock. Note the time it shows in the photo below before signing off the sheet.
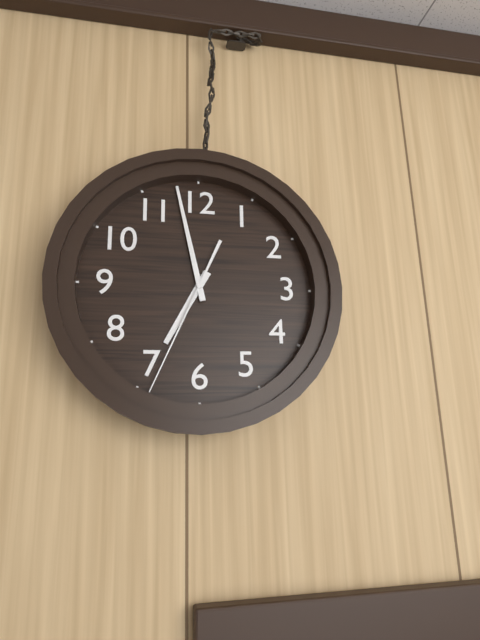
6:58:34
